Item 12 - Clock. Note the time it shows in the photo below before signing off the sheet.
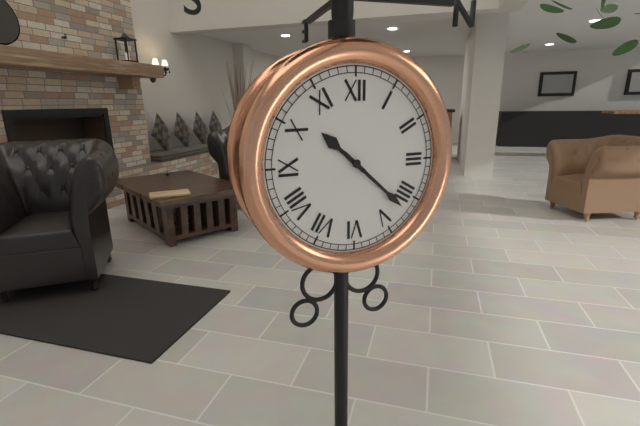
10:22
